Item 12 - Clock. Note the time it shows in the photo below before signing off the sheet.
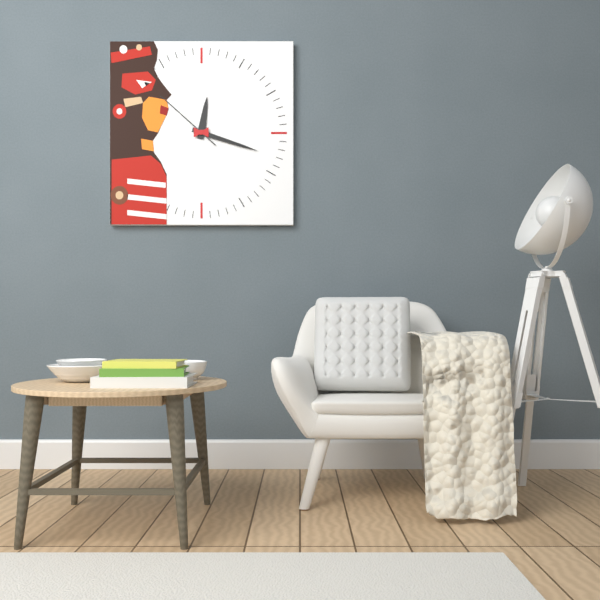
12:18:52
